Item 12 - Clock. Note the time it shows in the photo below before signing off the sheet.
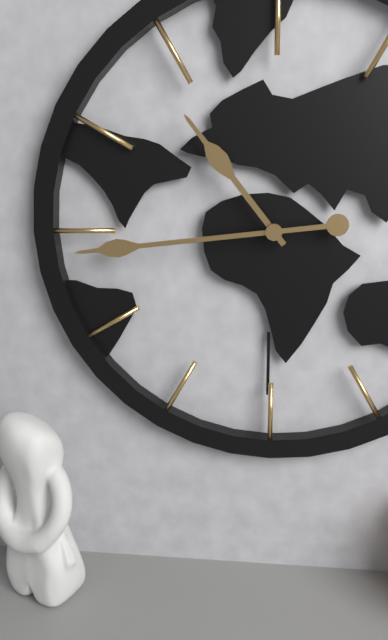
10:44
